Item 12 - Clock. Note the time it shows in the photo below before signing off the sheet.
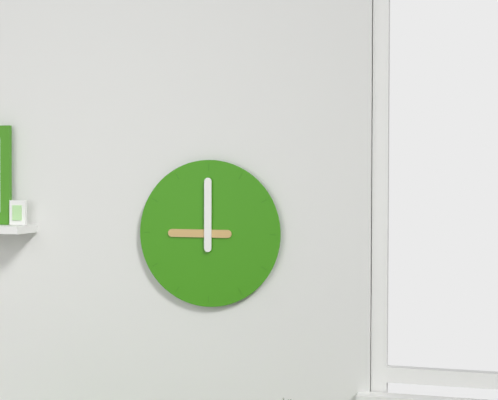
9:00
